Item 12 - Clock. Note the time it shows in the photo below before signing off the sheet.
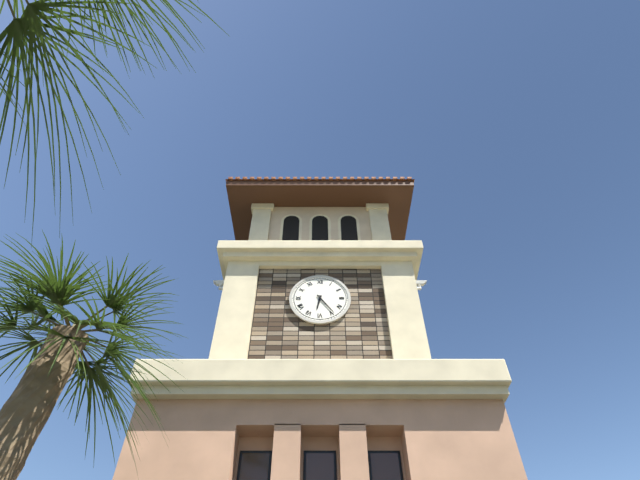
6:24
